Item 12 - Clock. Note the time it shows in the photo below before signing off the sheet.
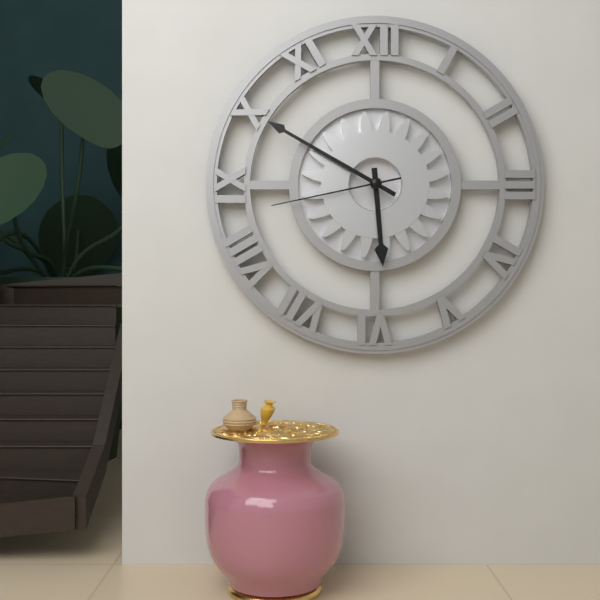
5:50:43
